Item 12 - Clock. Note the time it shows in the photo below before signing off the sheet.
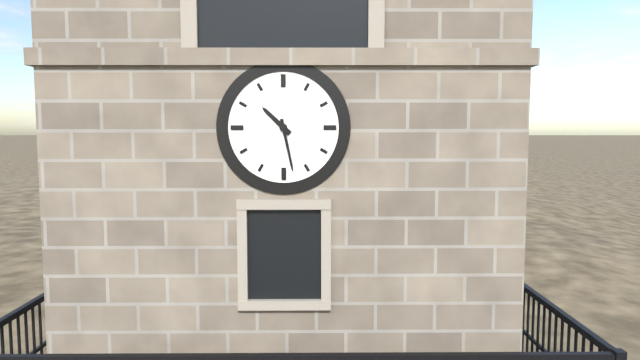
10:28
